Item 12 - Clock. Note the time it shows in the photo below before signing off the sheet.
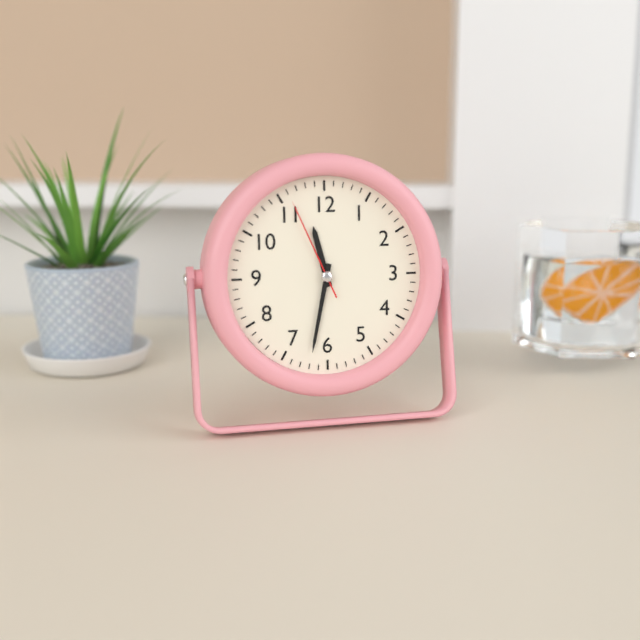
11:32:56
